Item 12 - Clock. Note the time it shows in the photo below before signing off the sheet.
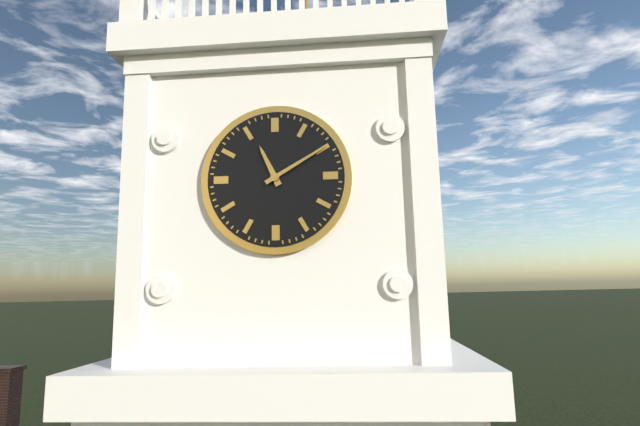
11:10
